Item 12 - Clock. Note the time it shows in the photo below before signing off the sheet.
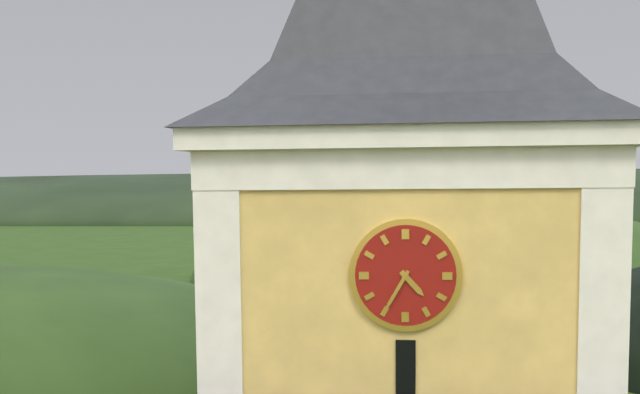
4:35
